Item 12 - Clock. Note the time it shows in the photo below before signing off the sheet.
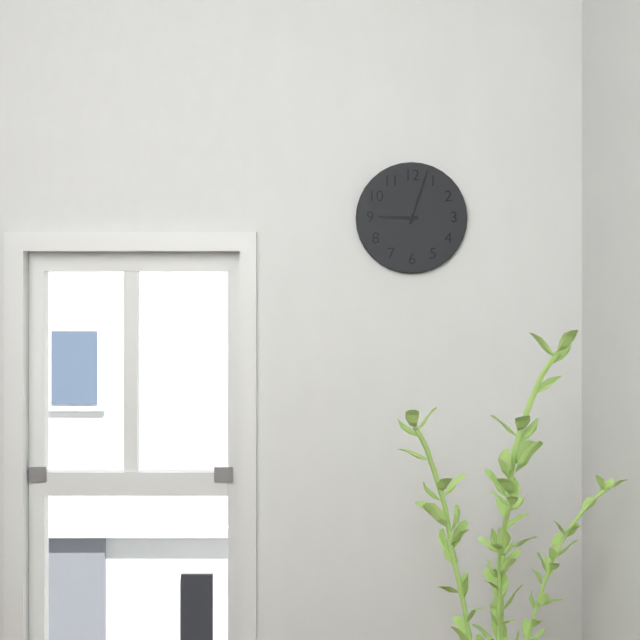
9:03
